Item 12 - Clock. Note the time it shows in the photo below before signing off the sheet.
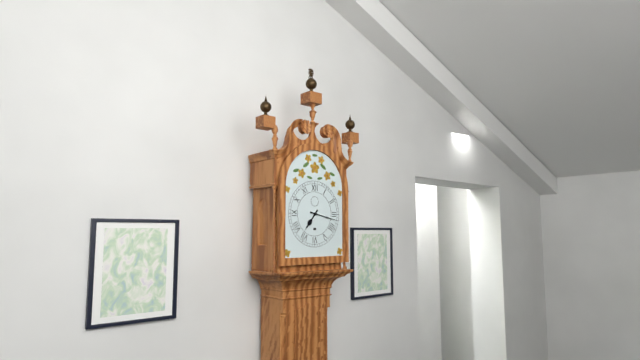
7:17
